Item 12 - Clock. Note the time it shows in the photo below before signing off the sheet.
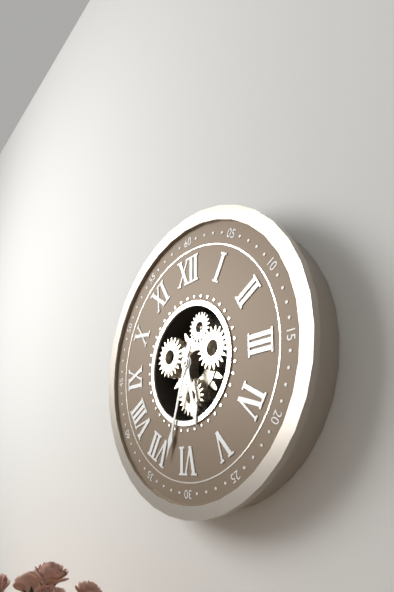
5:33
